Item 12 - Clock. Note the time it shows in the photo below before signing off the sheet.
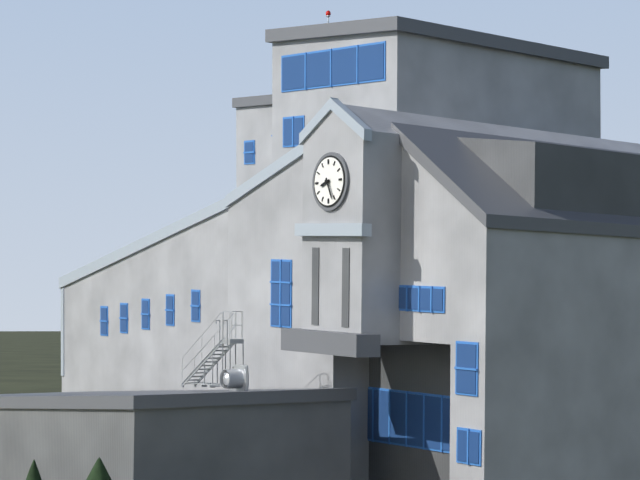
8:26
